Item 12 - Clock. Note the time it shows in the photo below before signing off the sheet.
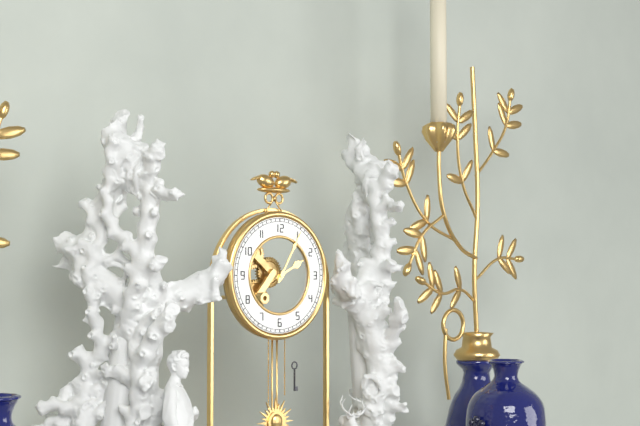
2:05
